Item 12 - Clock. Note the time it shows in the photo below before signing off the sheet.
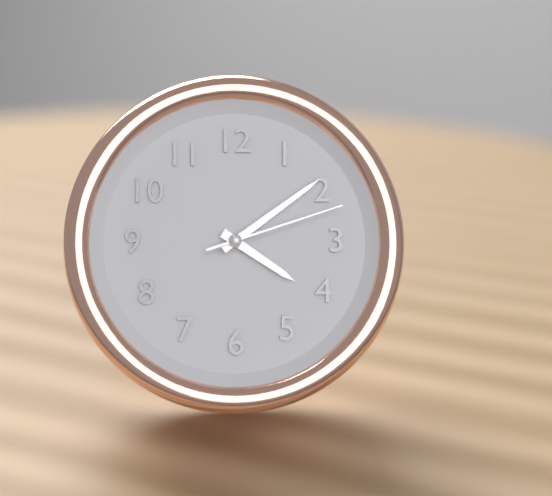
4:09:12
